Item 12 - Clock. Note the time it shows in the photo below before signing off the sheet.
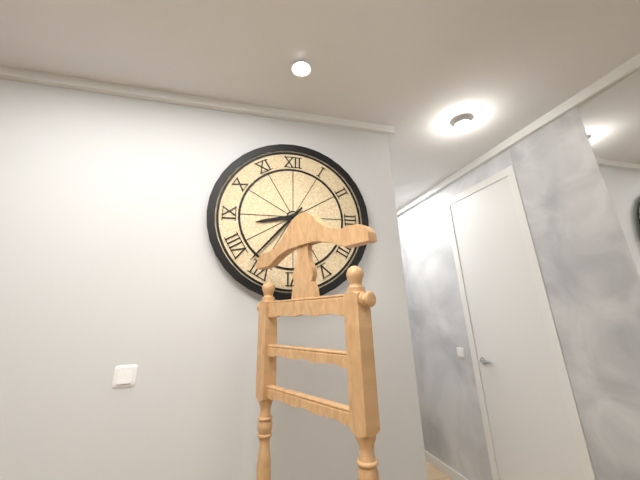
8:37
